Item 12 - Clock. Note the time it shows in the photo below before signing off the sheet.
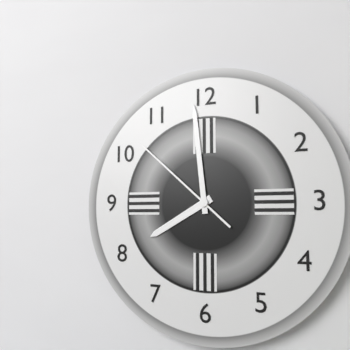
7:59:52
